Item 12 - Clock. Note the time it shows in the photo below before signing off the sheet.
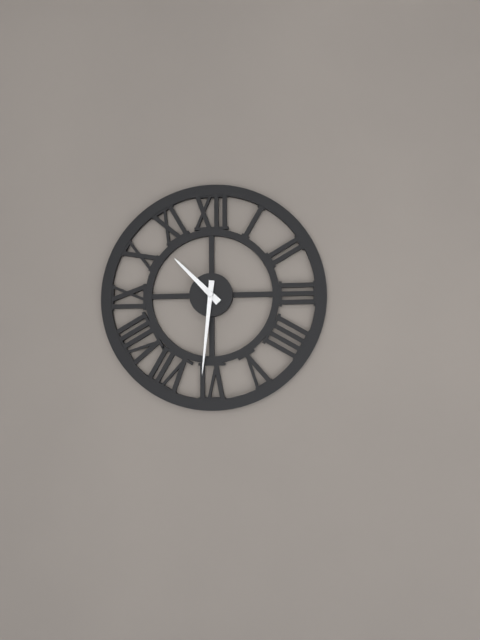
10:31
